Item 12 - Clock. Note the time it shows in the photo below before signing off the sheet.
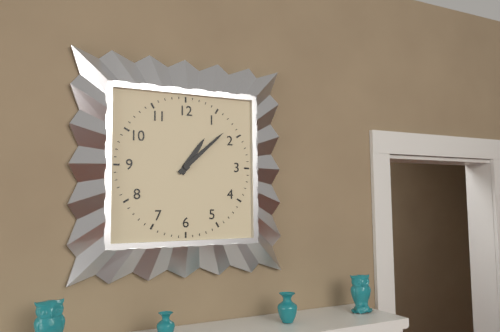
1:08
